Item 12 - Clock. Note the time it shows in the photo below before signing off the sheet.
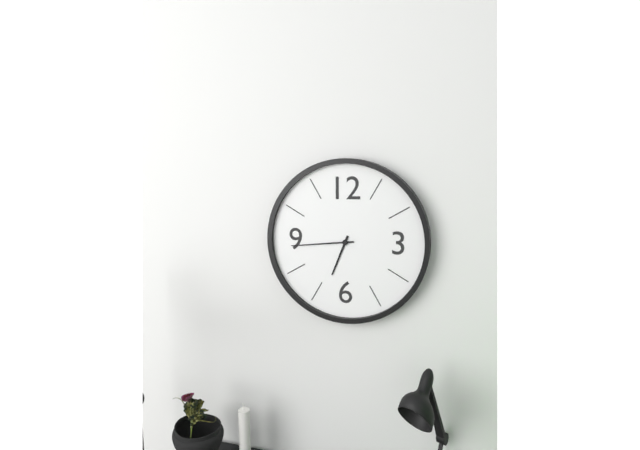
6:44
